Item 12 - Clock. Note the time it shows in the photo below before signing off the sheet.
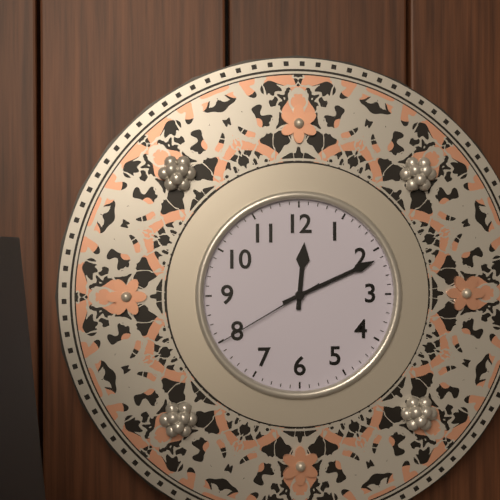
12:11:40
